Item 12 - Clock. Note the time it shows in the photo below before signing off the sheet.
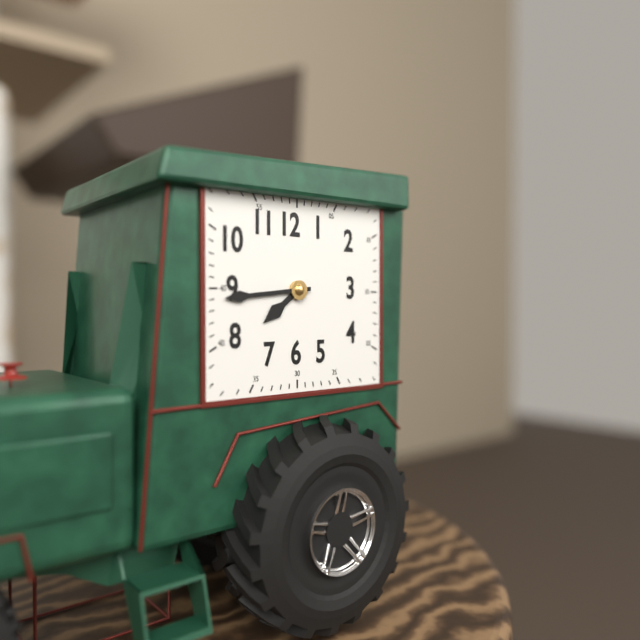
7:44
